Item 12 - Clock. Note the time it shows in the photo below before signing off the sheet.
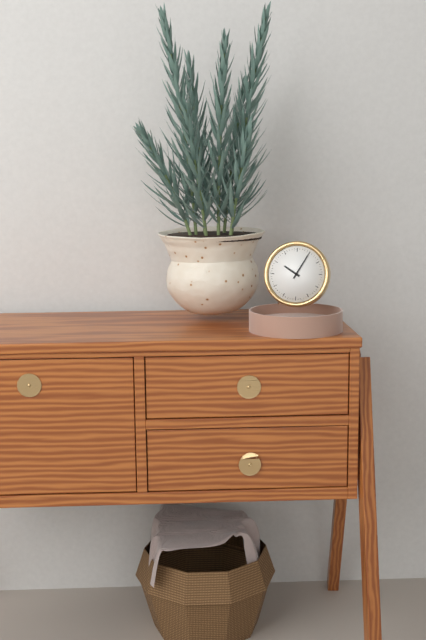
10:05
